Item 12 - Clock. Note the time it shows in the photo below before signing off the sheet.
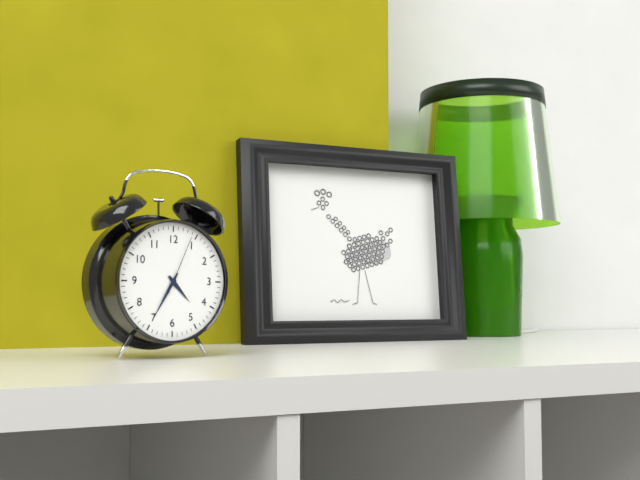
4:35:04
